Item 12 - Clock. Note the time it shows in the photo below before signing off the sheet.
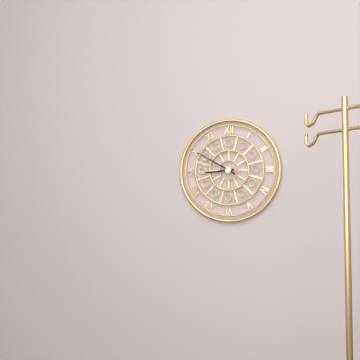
8:50
